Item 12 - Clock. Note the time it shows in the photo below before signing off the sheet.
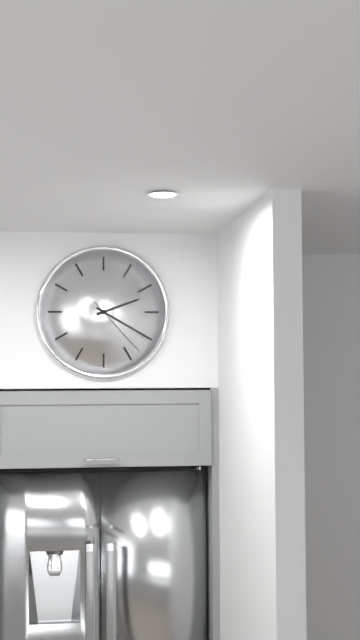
2:20:23
